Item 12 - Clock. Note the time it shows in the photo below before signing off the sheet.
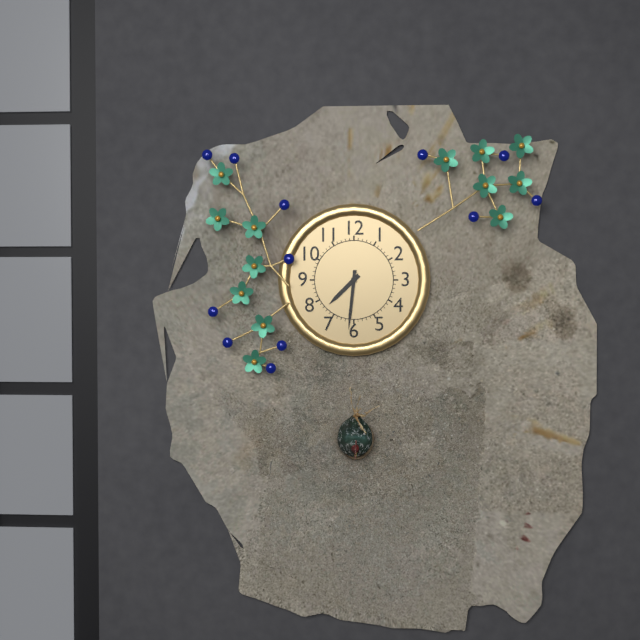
7:31
